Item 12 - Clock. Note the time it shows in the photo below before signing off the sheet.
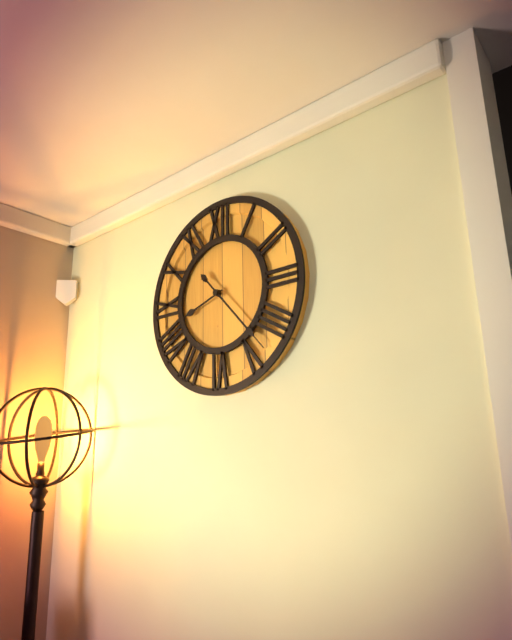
8:23
